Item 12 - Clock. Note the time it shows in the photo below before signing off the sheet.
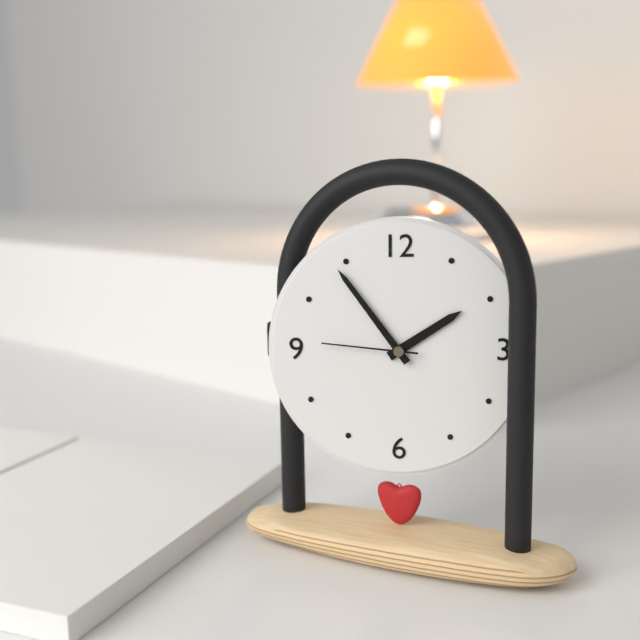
1:54:46
